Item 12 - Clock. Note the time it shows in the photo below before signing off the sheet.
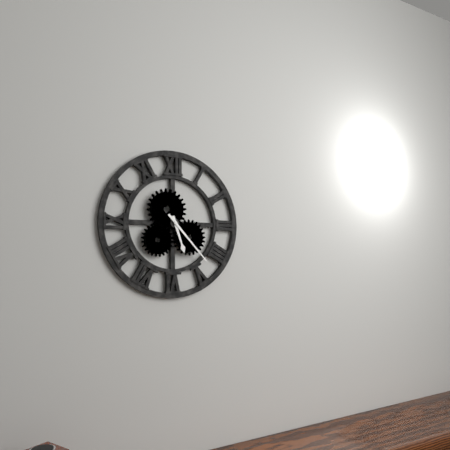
5:23
